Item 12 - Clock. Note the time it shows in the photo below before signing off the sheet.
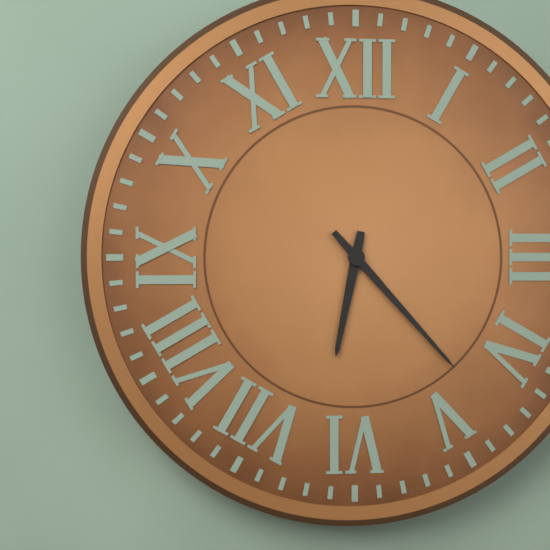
6:23
